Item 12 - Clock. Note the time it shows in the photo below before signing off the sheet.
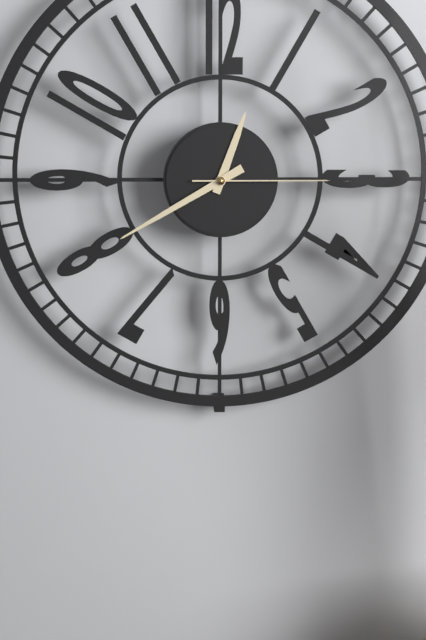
12:40:15
